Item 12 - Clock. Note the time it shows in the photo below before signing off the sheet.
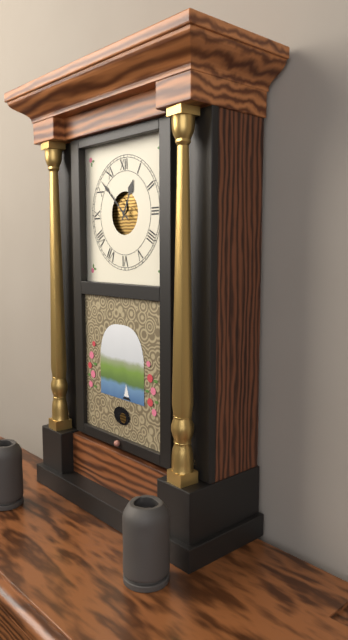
12:52
